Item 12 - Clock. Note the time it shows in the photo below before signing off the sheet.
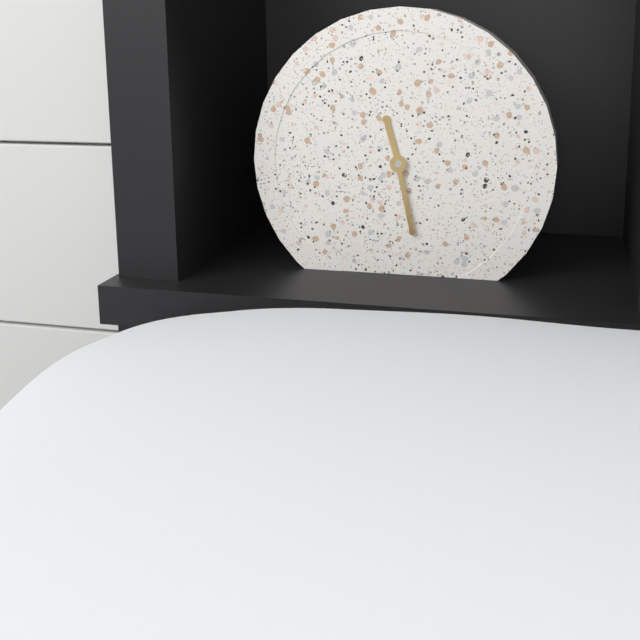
11:28
